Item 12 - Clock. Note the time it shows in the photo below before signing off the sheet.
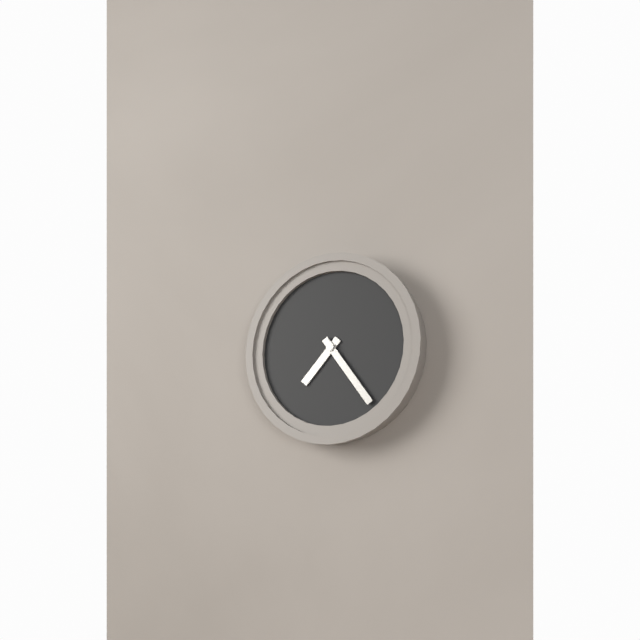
7:24
